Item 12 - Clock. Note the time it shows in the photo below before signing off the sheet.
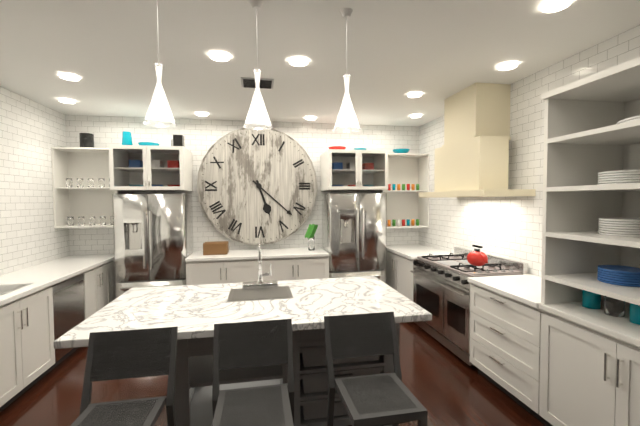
5:22
